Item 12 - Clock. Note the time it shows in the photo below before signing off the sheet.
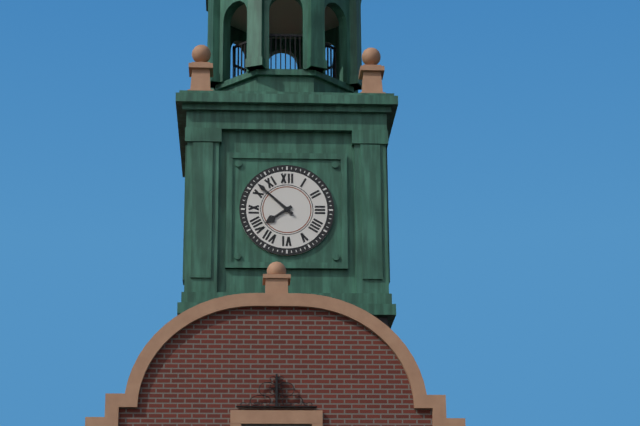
7:52
